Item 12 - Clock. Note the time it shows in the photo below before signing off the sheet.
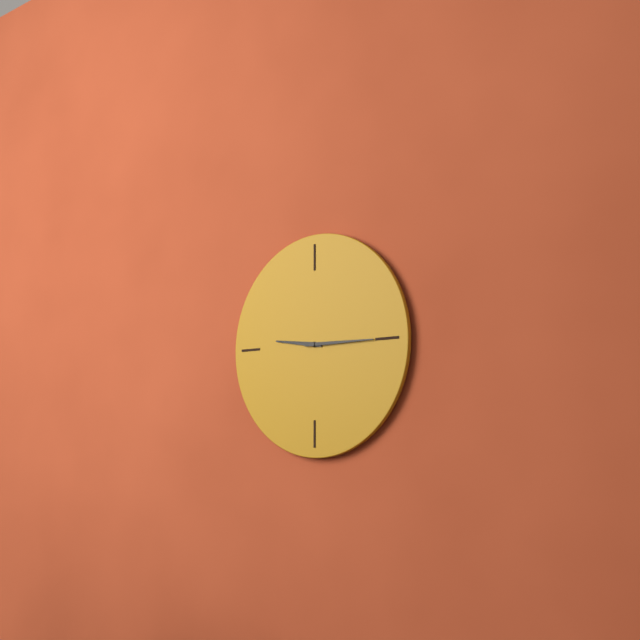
9:15
